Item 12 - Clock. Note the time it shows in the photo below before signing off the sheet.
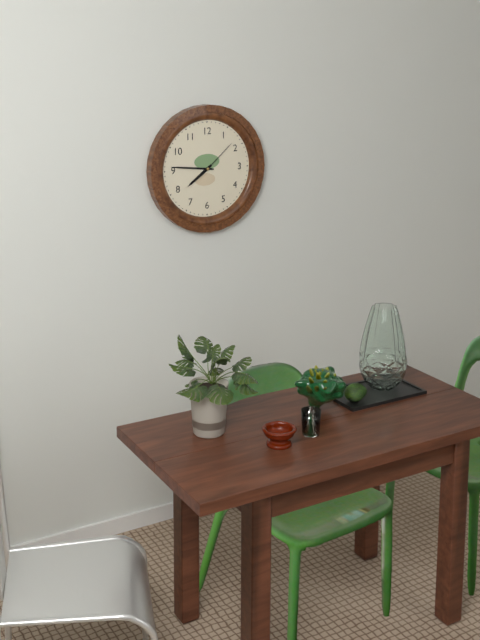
7:46
